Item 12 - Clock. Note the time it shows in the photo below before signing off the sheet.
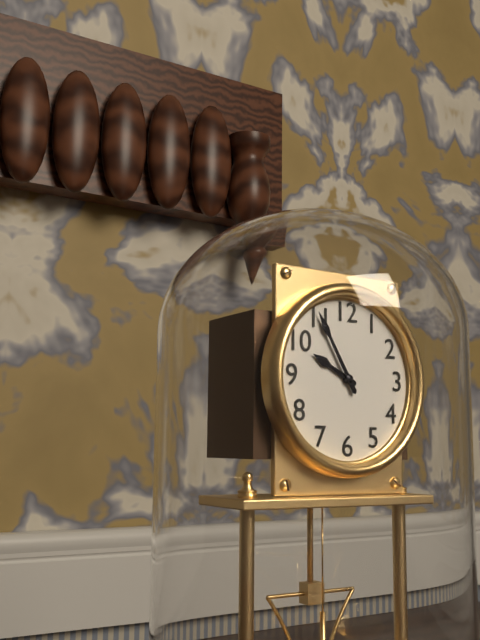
9:55
